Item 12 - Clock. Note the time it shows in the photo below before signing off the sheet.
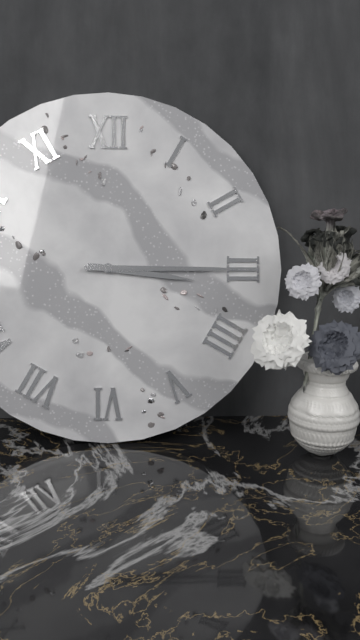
3:15
